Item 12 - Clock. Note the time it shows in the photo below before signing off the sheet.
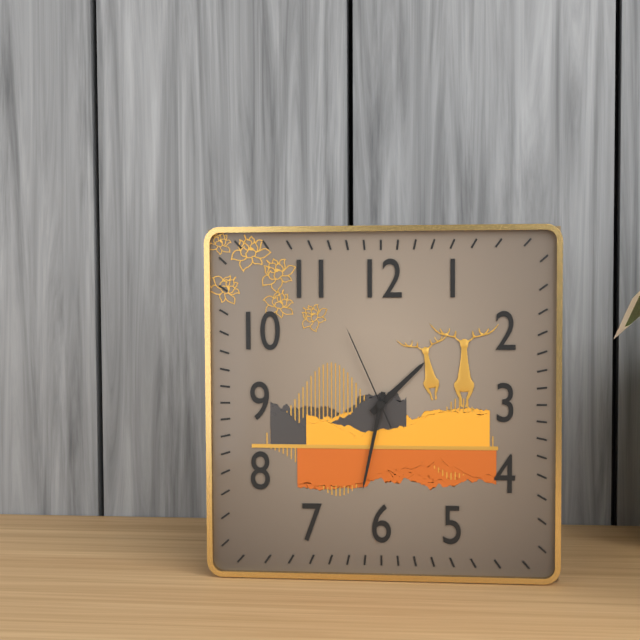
1:32:56
